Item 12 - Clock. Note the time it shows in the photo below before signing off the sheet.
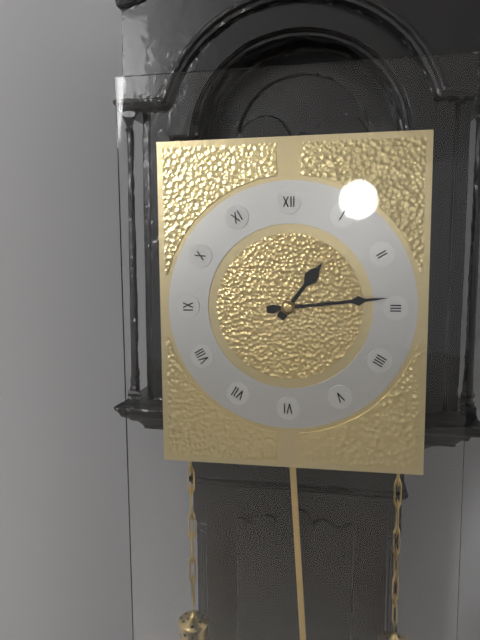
1:14
